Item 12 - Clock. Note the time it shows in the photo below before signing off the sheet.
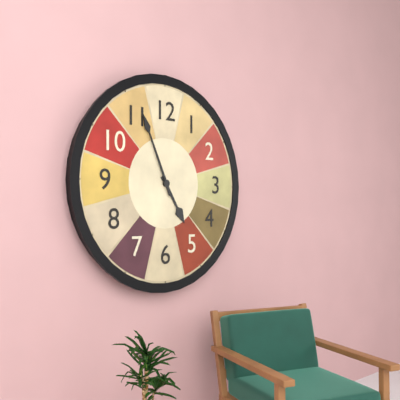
4:56
